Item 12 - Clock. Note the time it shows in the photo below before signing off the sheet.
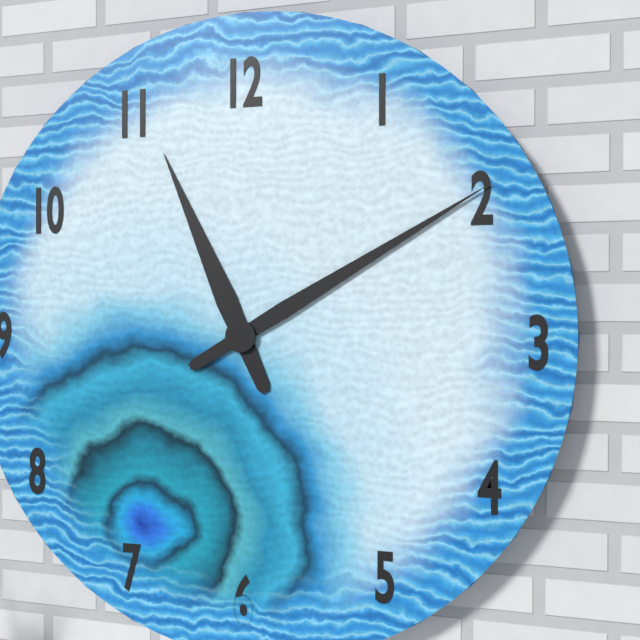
11:10
